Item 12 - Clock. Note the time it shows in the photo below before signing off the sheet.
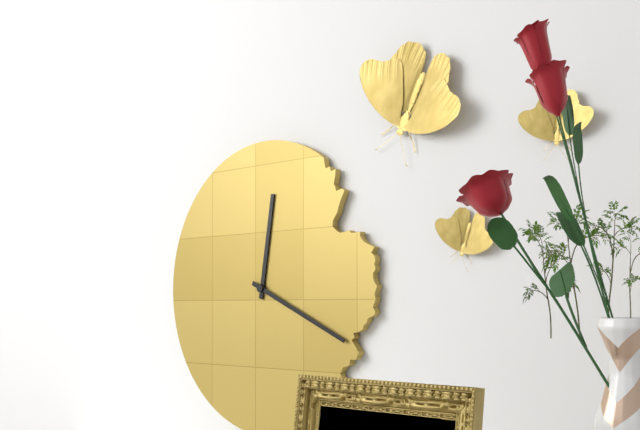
12:19
